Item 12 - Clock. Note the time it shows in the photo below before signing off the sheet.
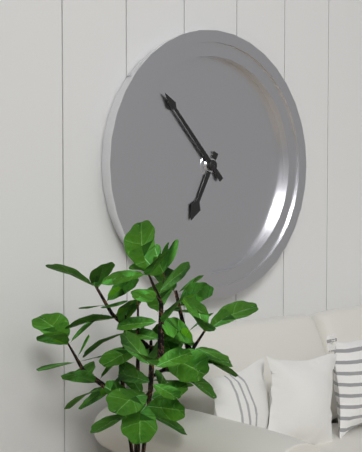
6:53
